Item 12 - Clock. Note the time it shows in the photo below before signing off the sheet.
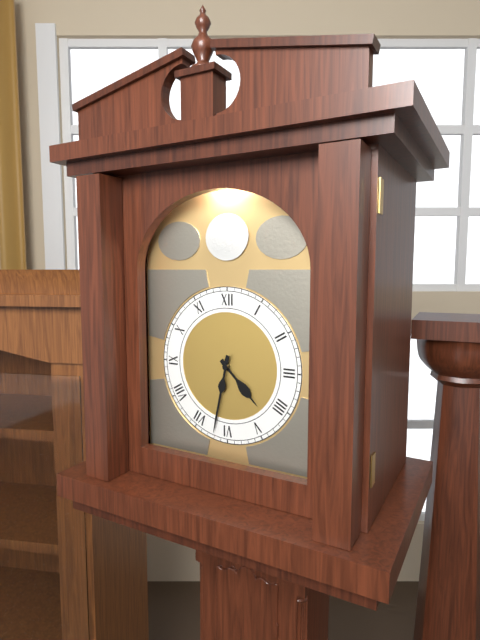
4:32
